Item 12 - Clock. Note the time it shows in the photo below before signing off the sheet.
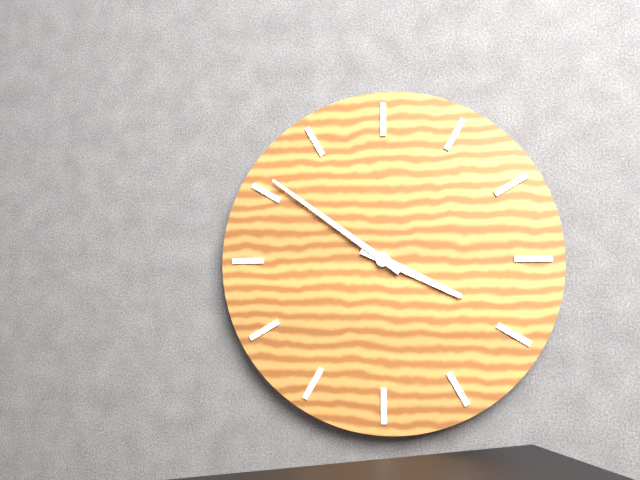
3:51
